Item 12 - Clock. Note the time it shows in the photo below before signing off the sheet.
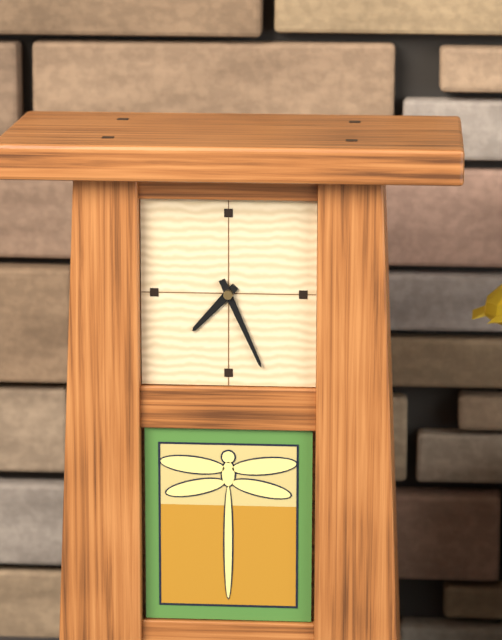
7:26
